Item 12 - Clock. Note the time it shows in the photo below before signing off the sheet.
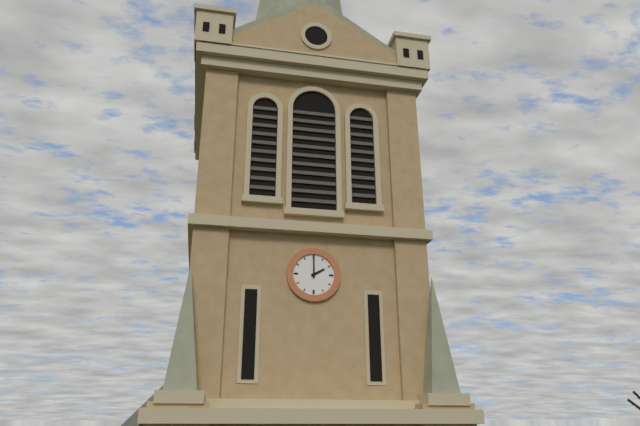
2:00
